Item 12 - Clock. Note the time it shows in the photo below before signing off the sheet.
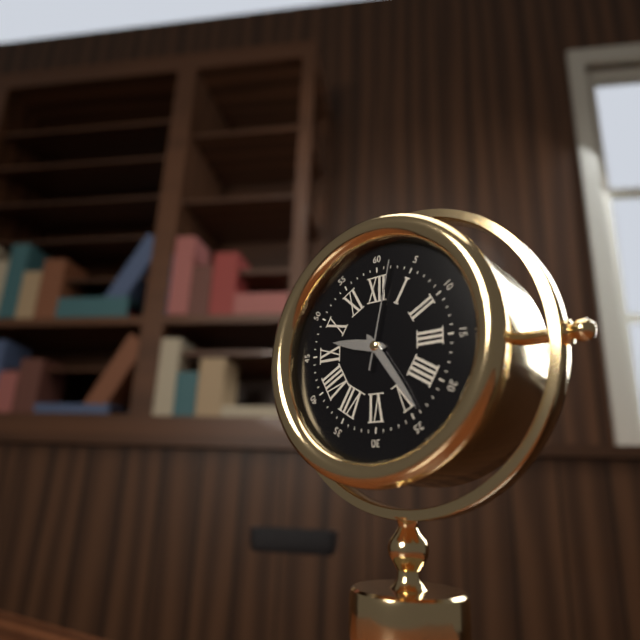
9:24:02
